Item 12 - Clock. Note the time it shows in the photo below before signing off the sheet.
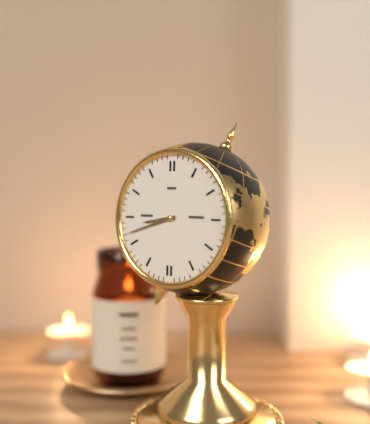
8:42
